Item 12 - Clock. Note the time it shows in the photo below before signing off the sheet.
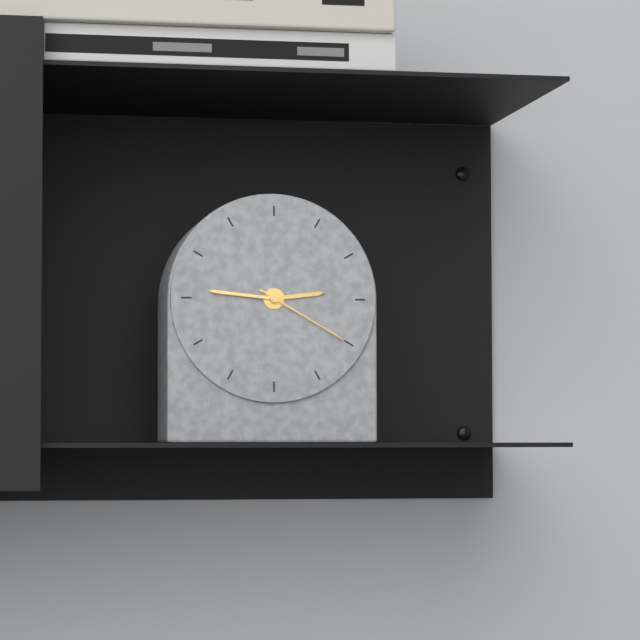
2:46:20
